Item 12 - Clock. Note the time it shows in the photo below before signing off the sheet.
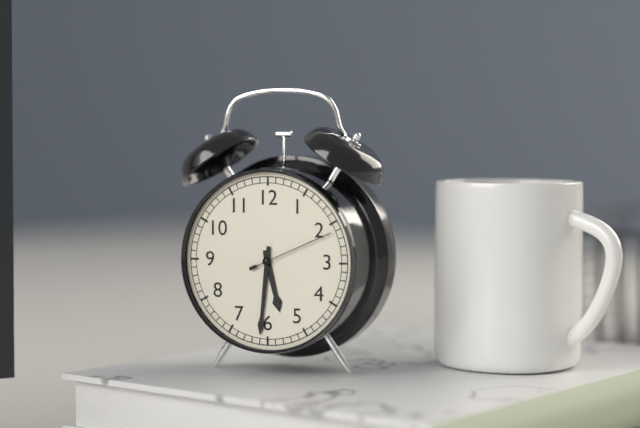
5:31:11
